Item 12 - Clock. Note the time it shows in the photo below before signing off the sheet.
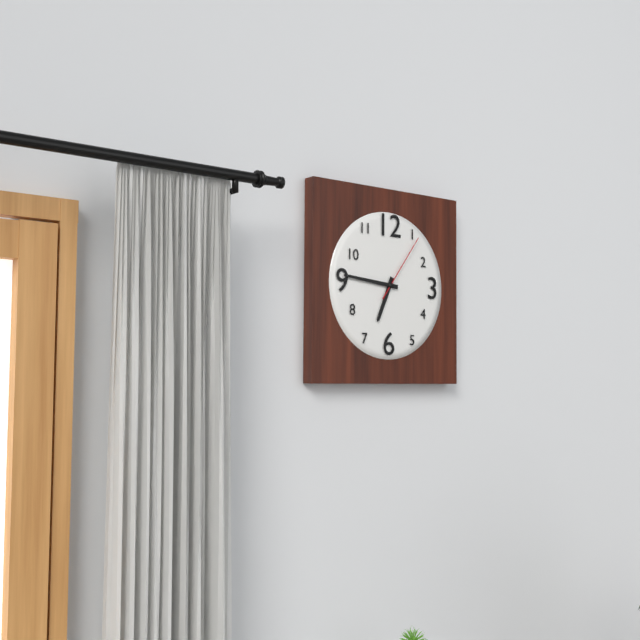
6:46:06
